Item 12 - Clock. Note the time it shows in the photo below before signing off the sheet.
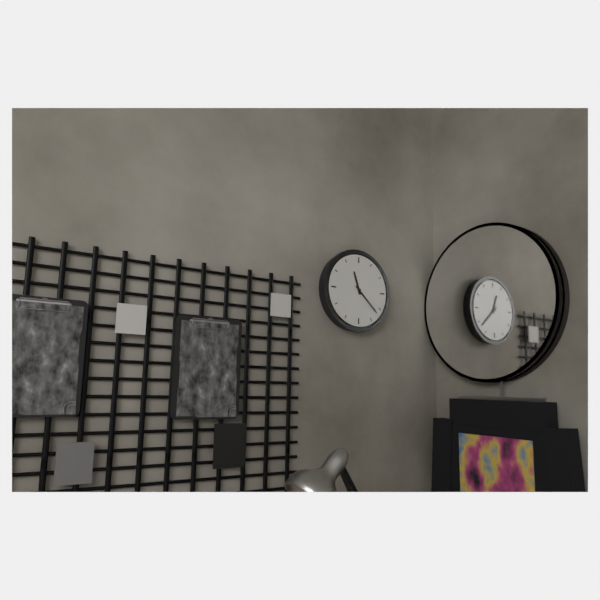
11:22
